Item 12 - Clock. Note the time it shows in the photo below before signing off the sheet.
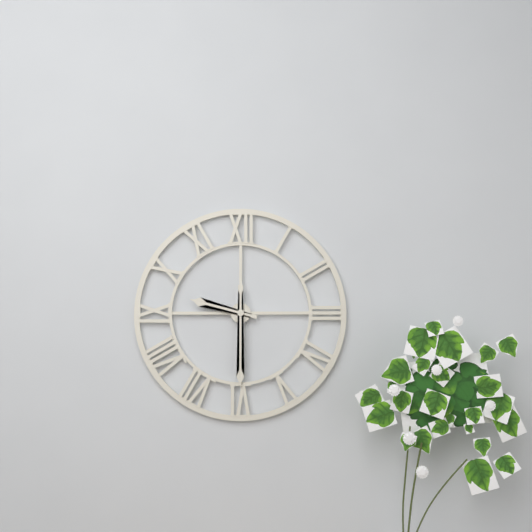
9:30
